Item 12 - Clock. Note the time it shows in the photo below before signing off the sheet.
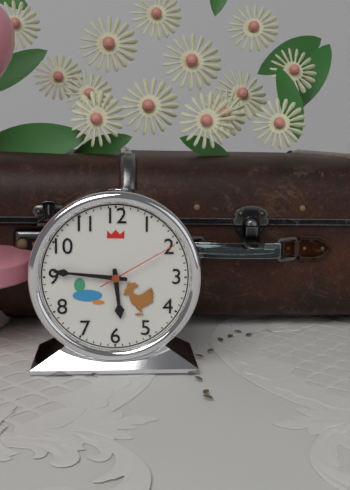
5:46:10
